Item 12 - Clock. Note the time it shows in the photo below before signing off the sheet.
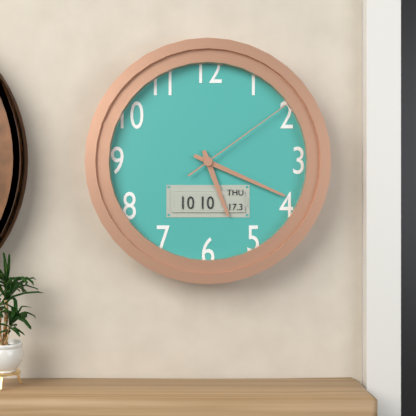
5:19:09
